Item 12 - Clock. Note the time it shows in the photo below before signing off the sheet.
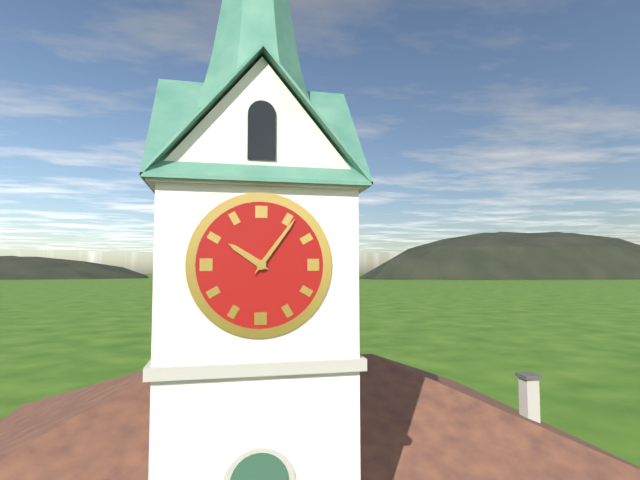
10:06
